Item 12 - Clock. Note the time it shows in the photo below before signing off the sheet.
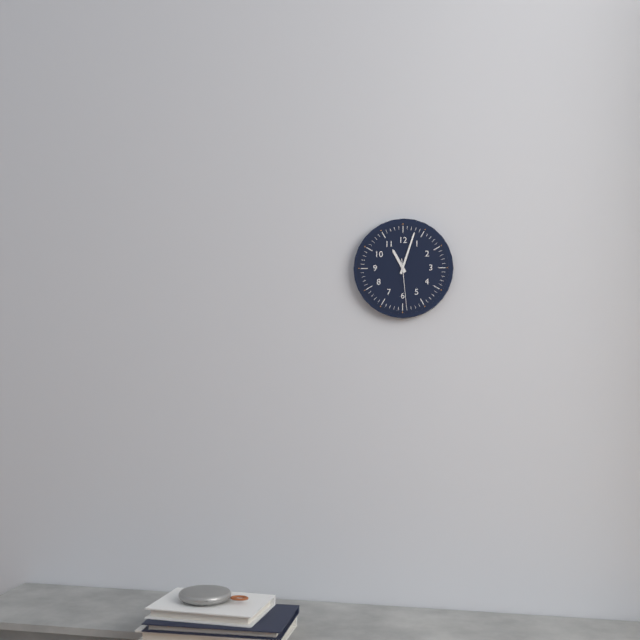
11:03
